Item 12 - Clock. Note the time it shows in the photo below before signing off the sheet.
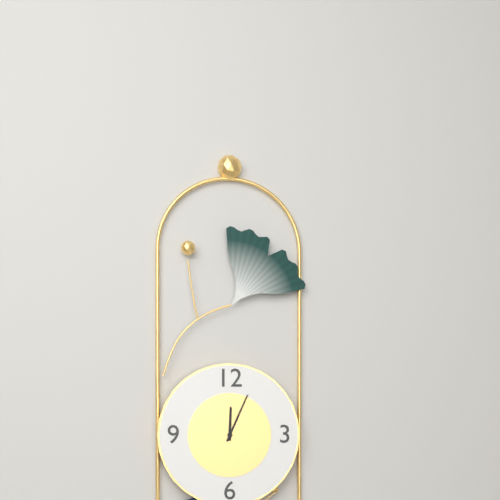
12:04
